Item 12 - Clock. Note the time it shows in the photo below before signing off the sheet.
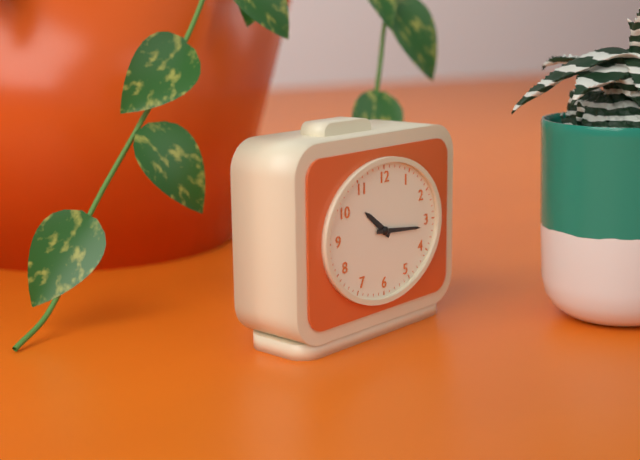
10:16
